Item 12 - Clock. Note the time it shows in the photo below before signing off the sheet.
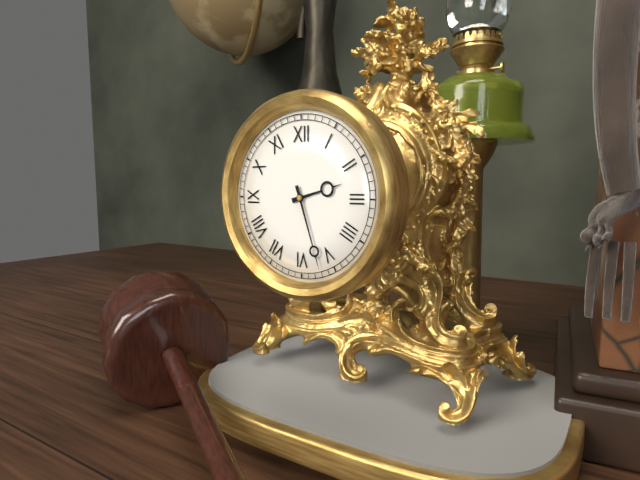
2:27
